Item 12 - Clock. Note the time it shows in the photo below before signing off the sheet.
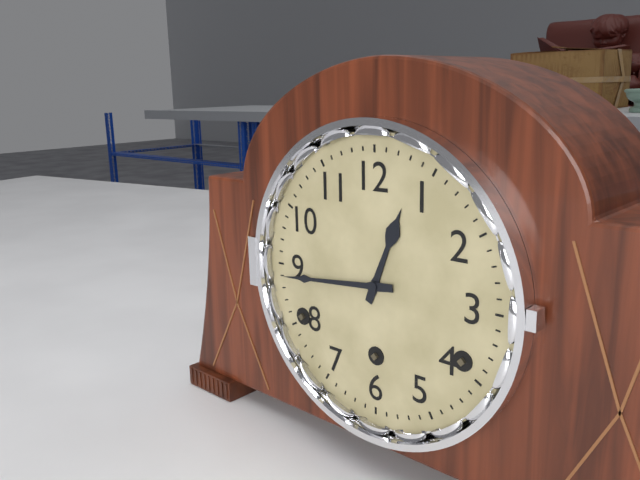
12:44
